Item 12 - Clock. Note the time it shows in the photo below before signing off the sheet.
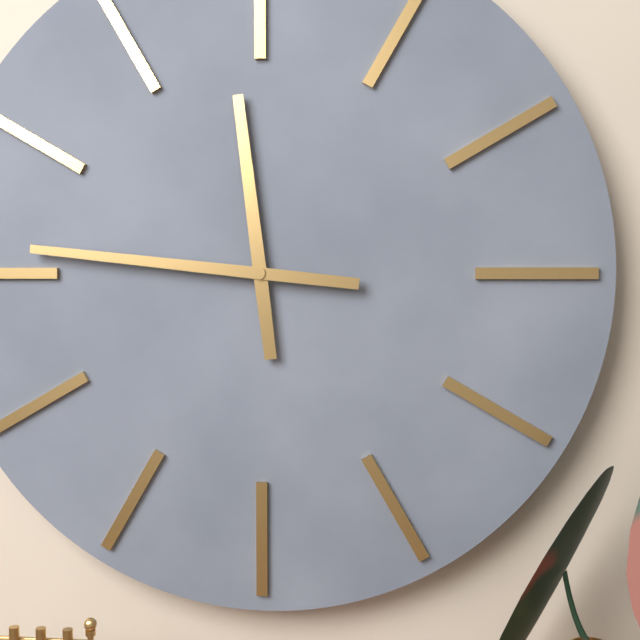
11:46
